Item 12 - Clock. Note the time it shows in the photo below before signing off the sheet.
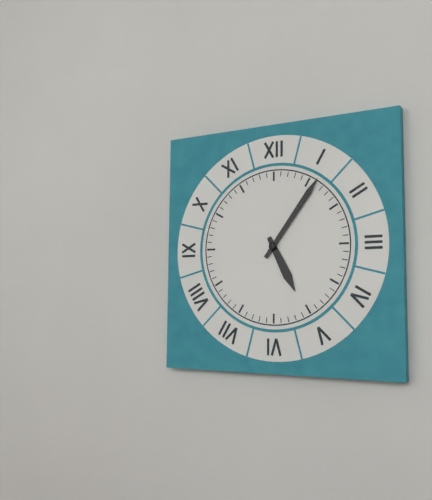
5:06
